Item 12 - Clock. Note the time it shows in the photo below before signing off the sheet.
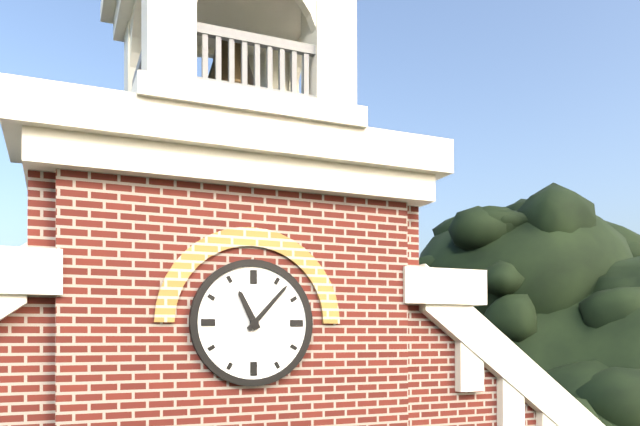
11:07
